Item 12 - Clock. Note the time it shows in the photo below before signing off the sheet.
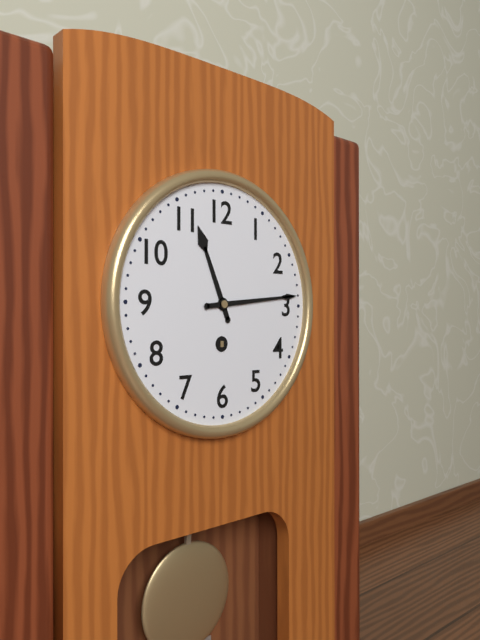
11:14
